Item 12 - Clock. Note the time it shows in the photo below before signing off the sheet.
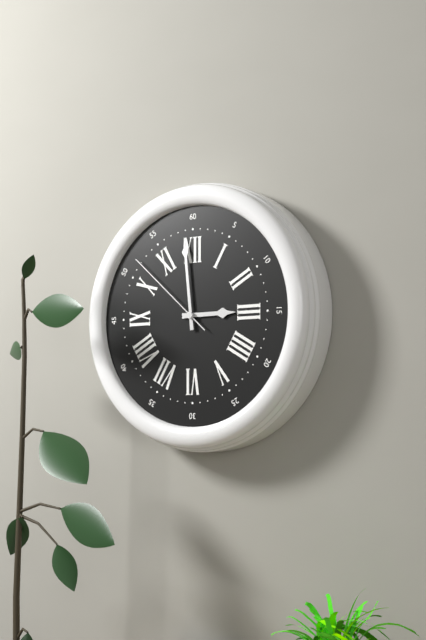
2:59:52
